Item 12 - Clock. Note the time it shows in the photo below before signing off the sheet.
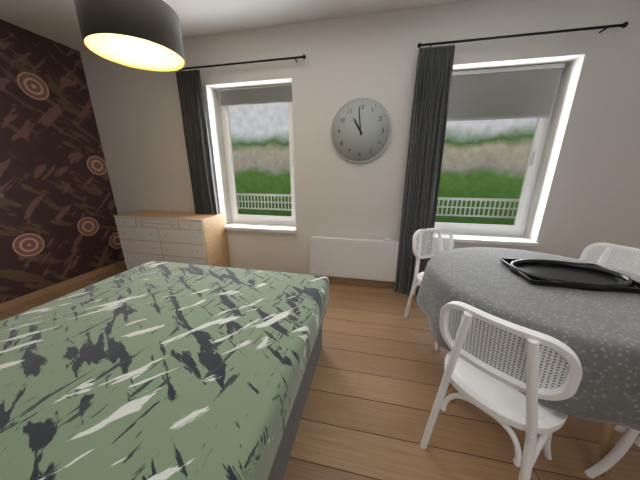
10:59
